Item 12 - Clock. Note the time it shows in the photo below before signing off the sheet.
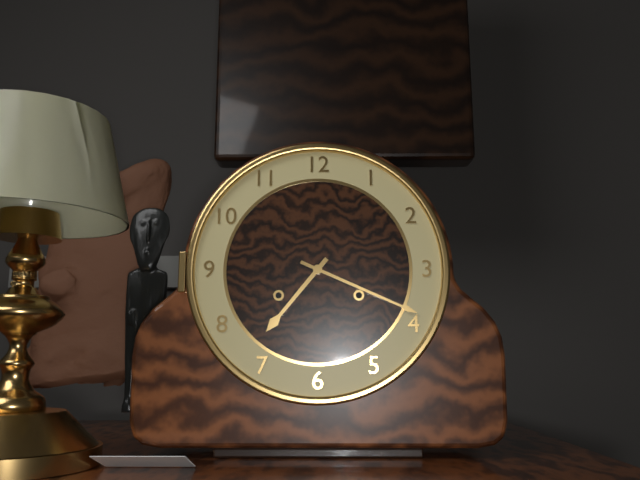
7:19
